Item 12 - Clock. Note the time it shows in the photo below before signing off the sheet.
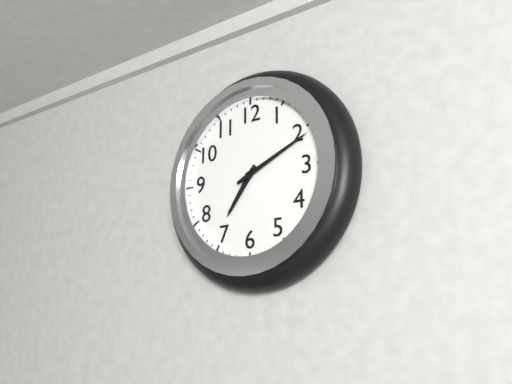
7:11
